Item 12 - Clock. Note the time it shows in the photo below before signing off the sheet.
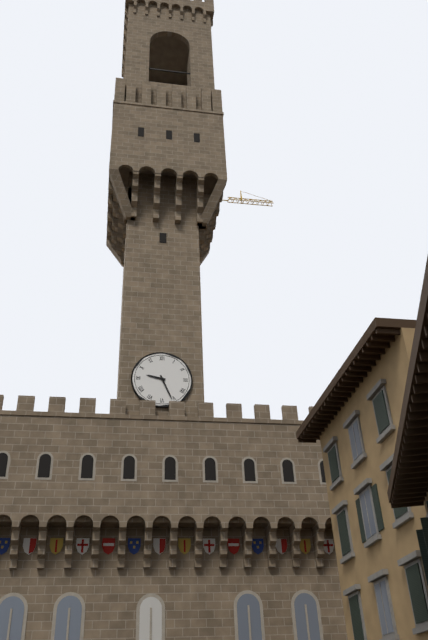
9:26
